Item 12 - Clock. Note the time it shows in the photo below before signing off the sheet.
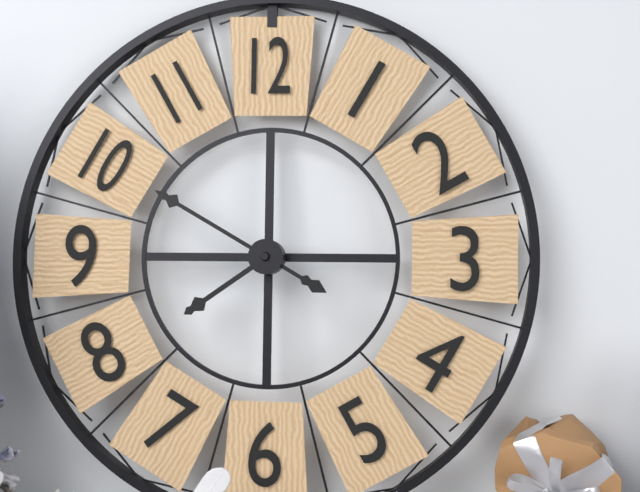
7:50
